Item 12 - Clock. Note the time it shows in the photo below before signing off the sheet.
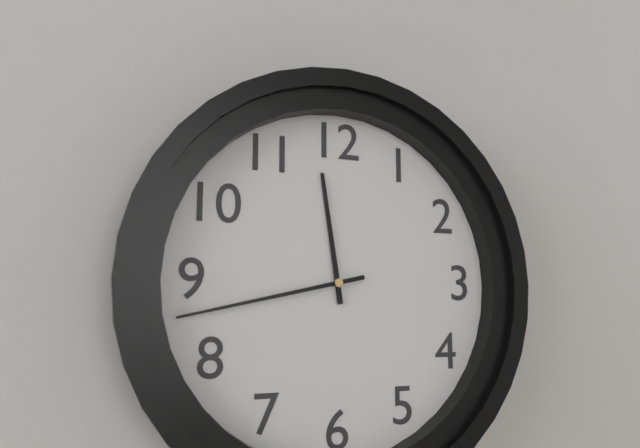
11:43
